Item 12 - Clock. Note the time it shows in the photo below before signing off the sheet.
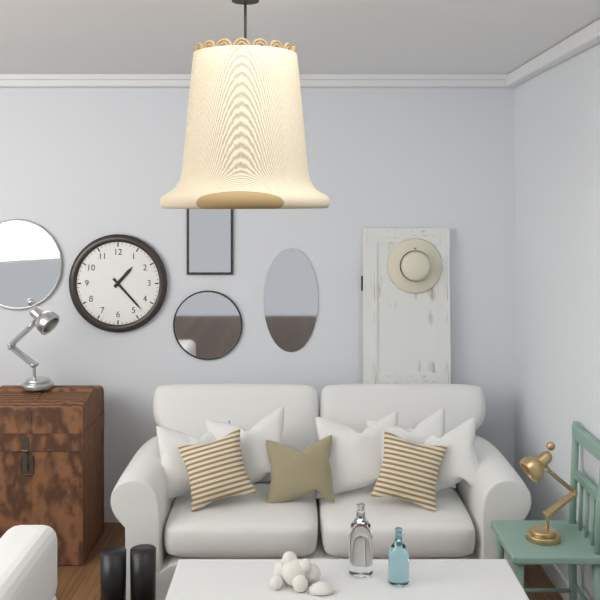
1:23
